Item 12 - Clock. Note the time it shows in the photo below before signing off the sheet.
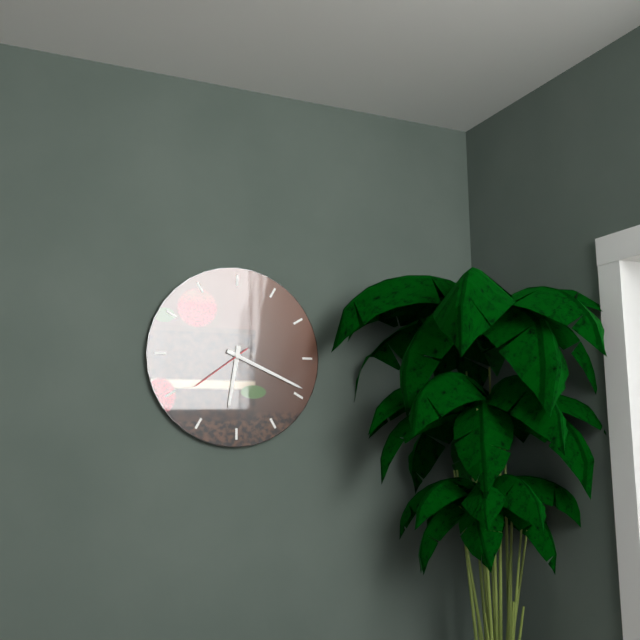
6:19:39
